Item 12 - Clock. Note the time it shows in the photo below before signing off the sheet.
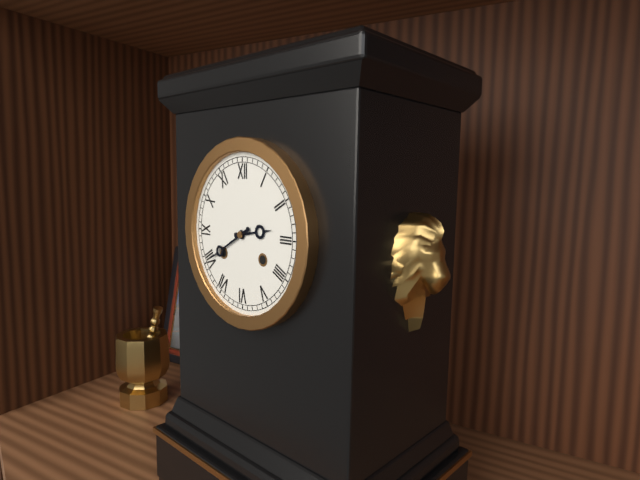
2:40
